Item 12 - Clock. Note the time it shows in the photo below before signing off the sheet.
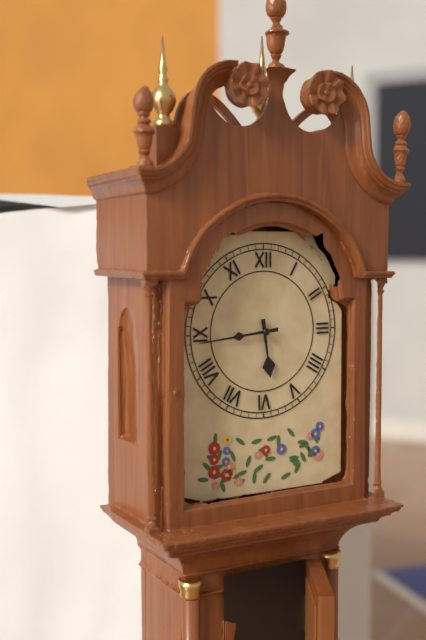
5:44
